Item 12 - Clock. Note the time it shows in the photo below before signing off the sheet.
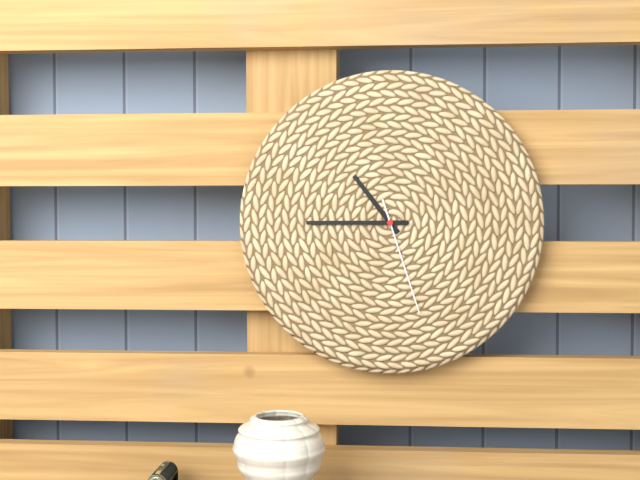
10:45:27
